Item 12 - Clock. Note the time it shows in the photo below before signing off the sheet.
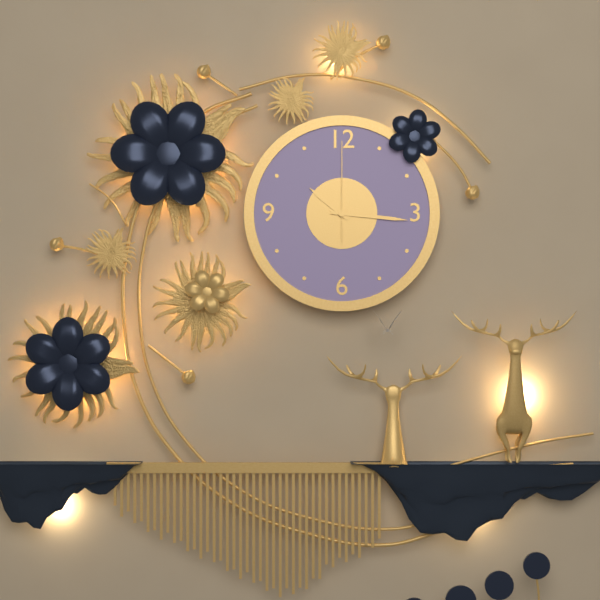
10:16:00
